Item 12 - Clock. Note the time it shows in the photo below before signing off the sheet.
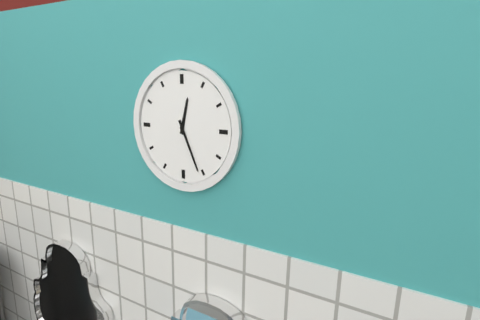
12:26
